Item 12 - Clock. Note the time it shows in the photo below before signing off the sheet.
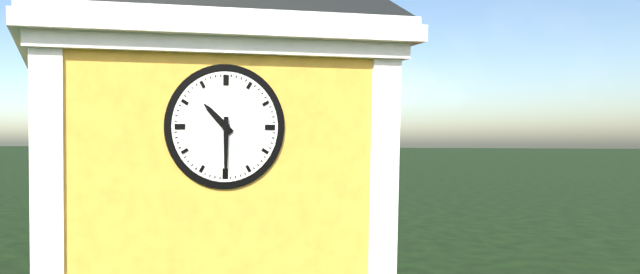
10:30
